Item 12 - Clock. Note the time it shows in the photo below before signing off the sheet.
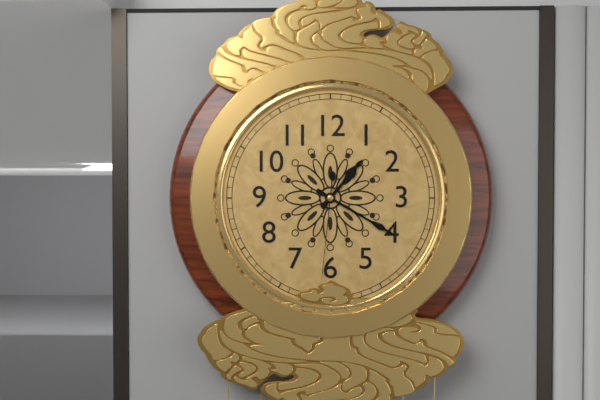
1:20:31
